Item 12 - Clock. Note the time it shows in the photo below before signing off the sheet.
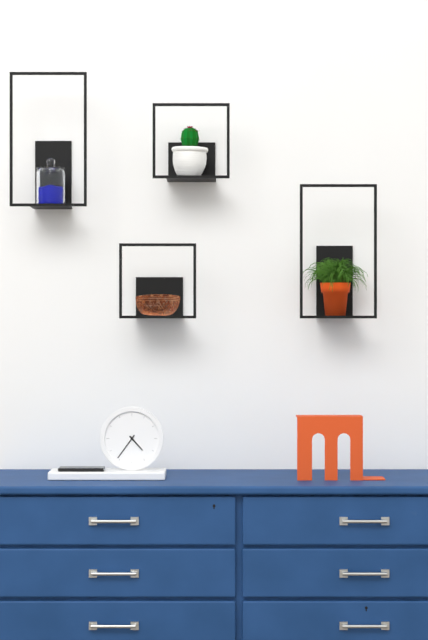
4:36
